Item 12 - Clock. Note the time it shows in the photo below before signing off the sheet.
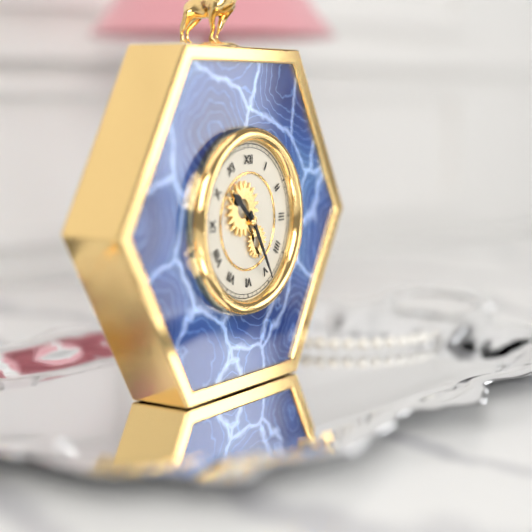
10:25
